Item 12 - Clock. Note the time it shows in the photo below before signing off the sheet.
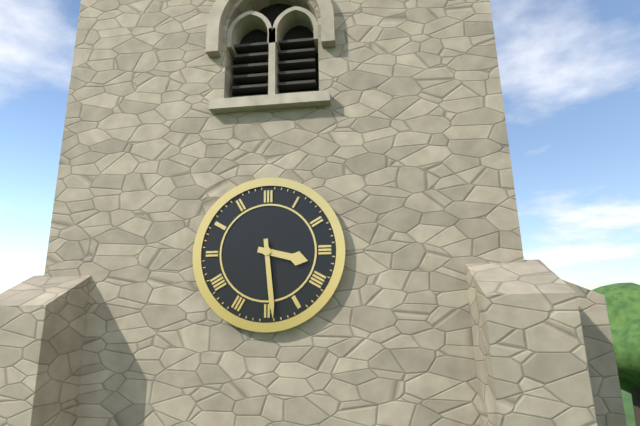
3:29
